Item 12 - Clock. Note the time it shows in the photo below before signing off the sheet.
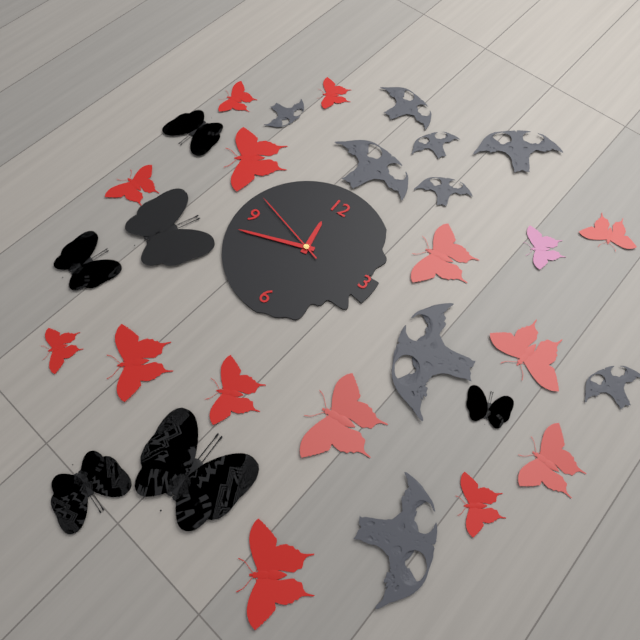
11:42:48
